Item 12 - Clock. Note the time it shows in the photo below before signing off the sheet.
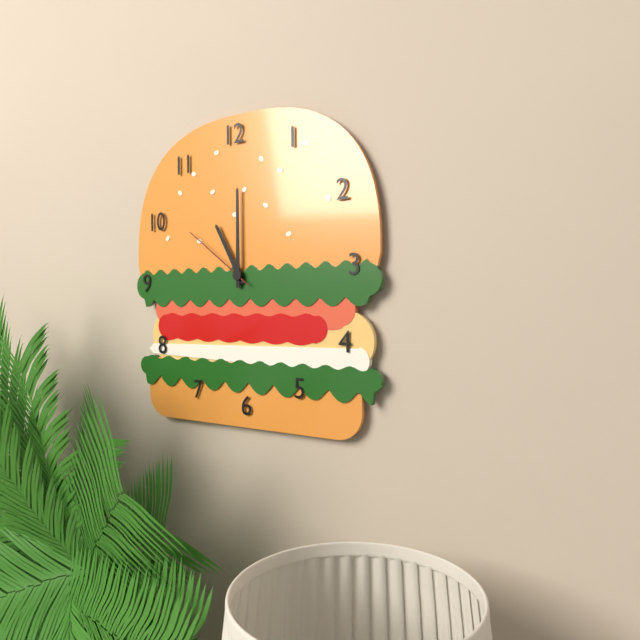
11:00:51
